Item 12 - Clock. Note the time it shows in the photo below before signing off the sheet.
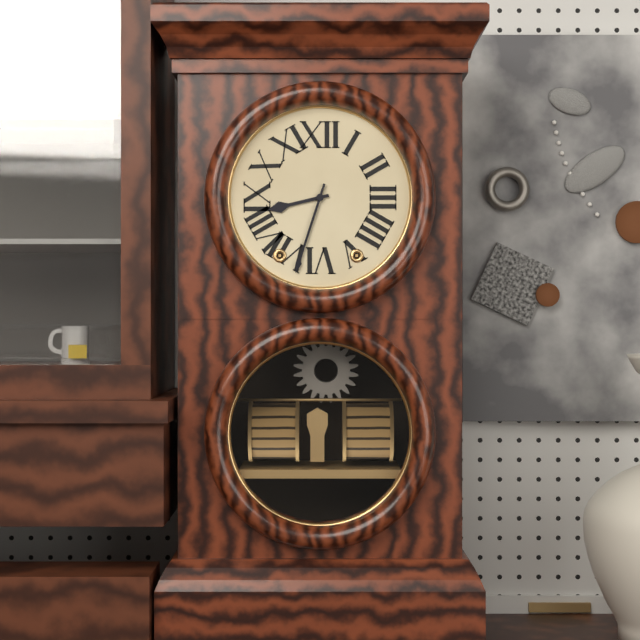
8:33
